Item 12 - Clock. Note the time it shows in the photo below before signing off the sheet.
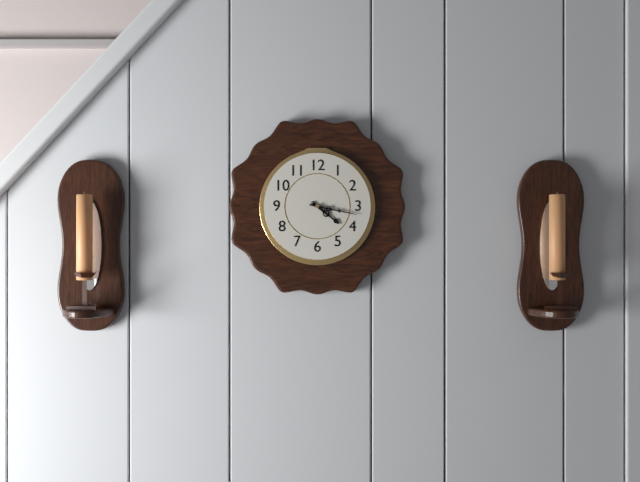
4:17
